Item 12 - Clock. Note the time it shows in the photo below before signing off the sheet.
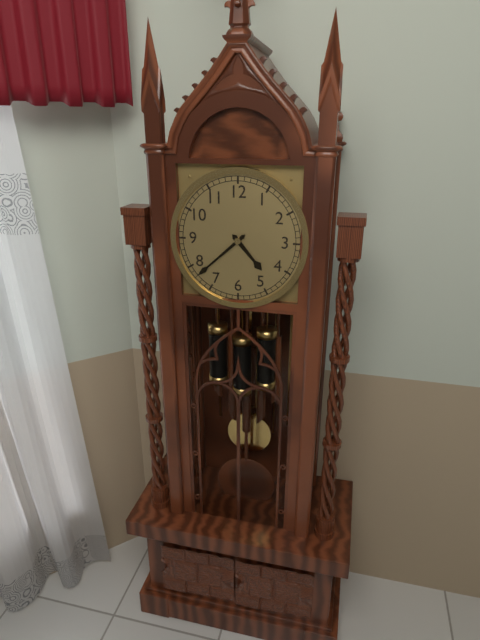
4:38
